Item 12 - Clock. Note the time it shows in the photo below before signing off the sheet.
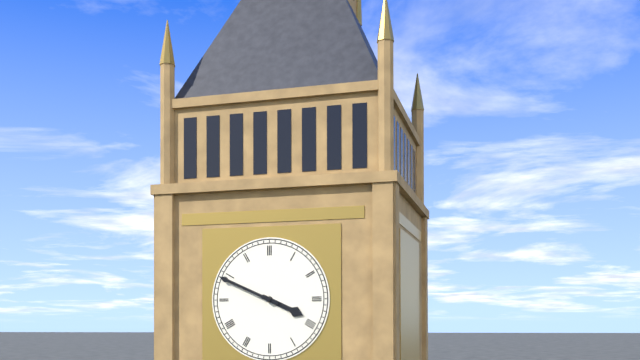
3:49
